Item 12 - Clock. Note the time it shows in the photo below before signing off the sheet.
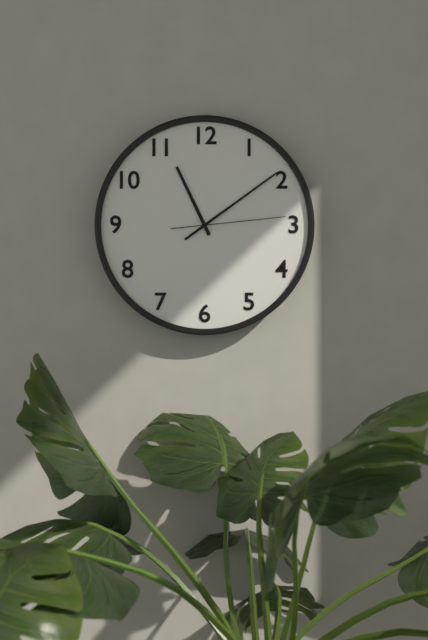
11:09:14
